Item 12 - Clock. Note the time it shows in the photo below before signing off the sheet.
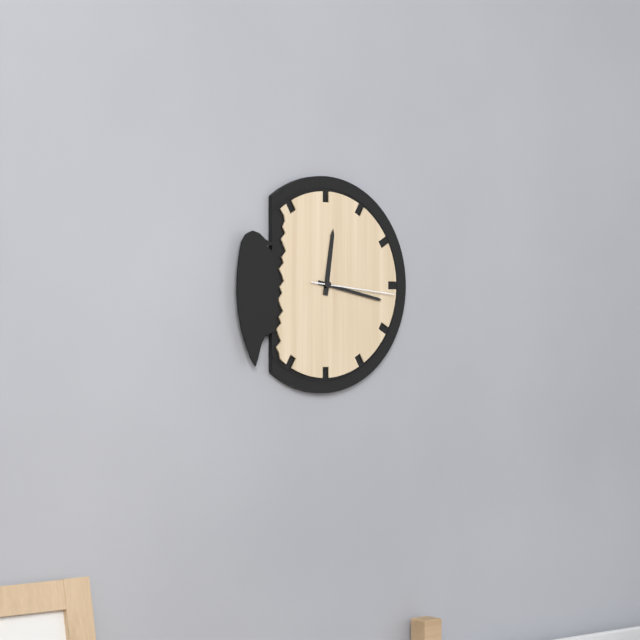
12:17:16
